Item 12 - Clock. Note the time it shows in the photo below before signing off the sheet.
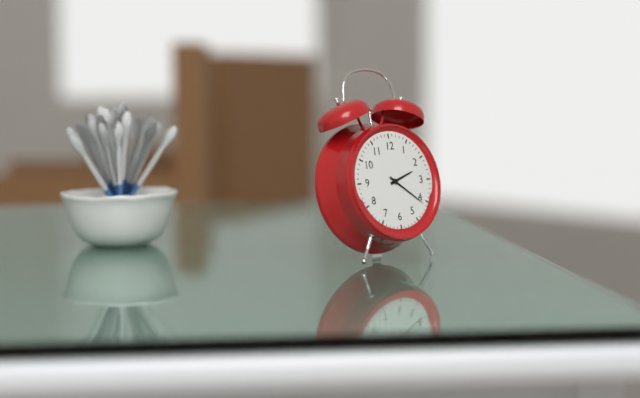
2:21
